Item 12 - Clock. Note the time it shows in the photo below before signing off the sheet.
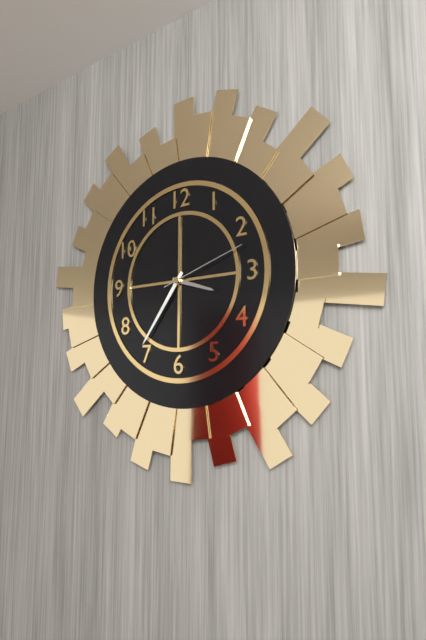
3:36:12
